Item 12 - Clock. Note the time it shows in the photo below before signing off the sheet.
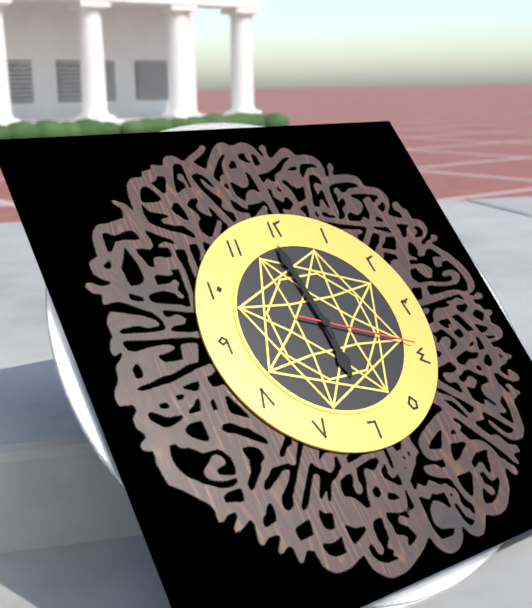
5:59:19
